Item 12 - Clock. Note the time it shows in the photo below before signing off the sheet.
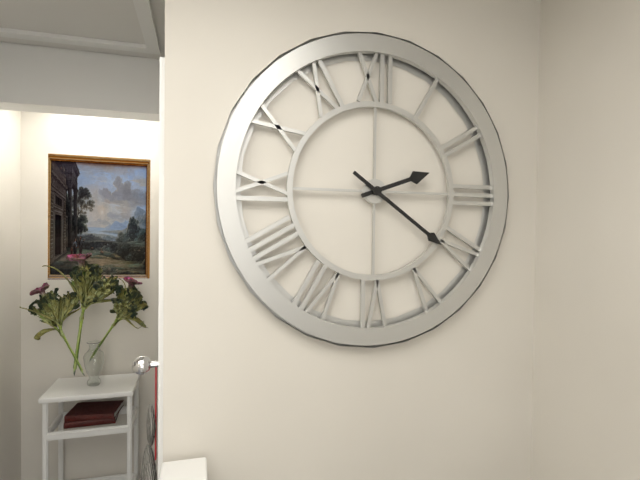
2:21
